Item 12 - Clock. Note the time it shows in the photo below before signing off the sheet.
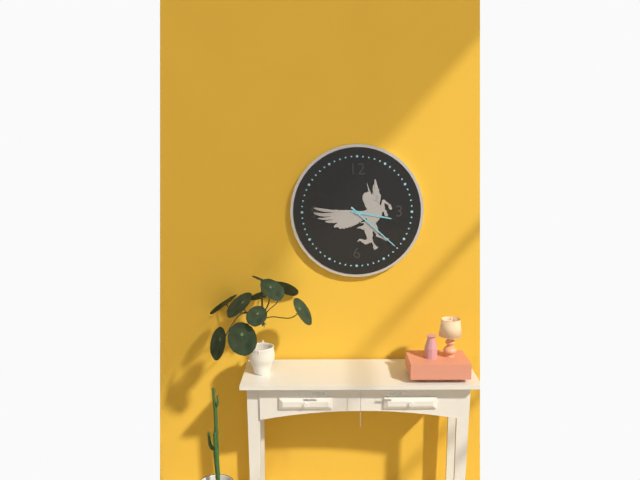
3:22
